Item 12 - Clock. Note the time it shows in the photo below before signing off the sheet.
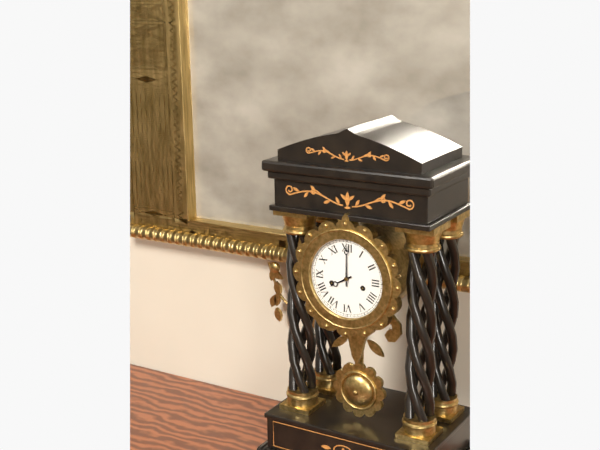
8:00
